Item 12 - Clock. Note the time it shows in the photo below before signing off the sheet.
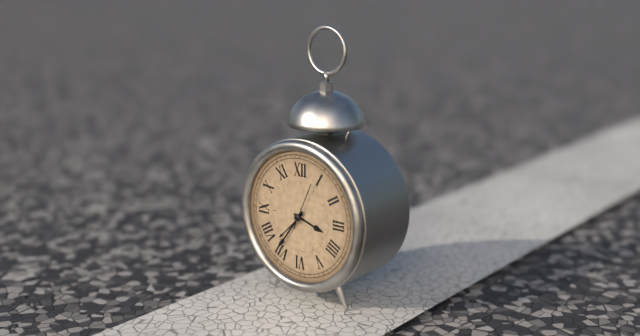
3:36
